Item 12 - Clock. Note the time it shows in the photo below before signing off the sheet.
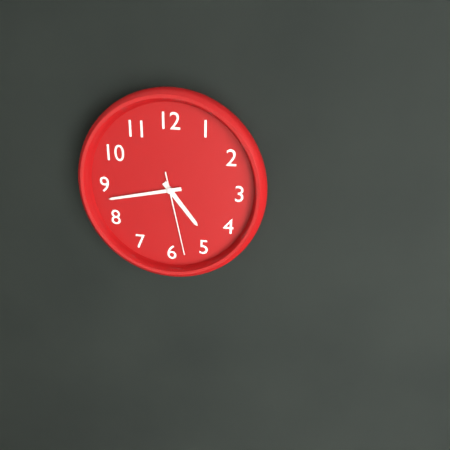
4:43:28
